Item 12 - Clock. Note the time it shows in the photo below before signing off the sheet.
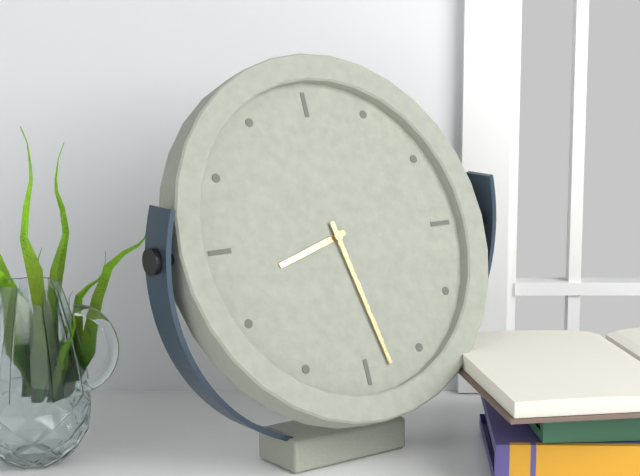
8:28
